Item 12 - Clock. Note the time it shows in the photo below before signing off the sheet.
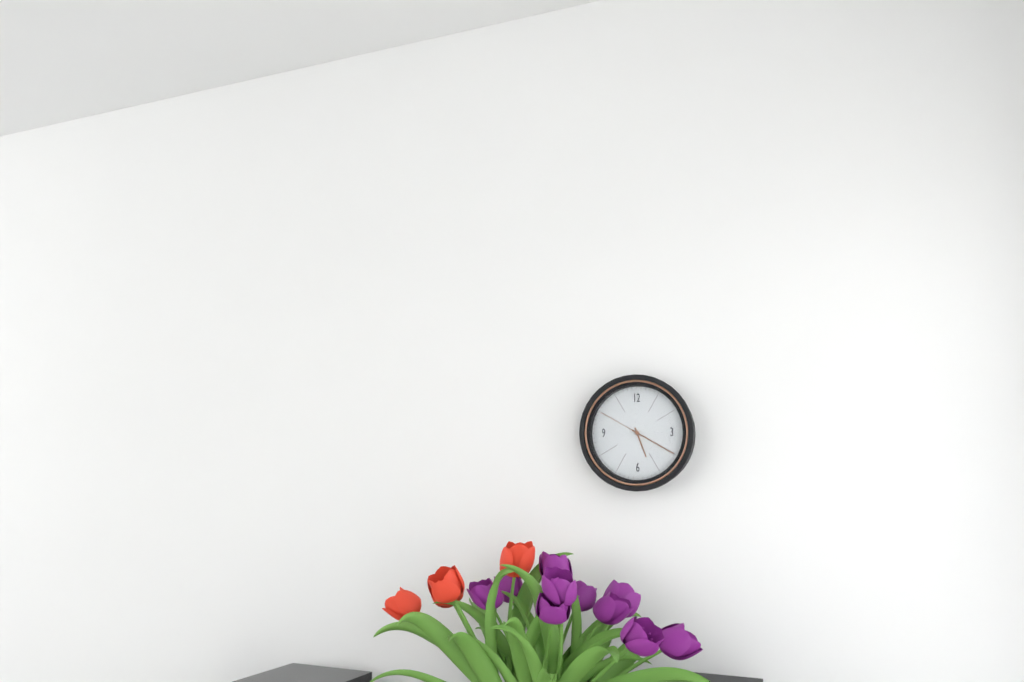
5:20:50
